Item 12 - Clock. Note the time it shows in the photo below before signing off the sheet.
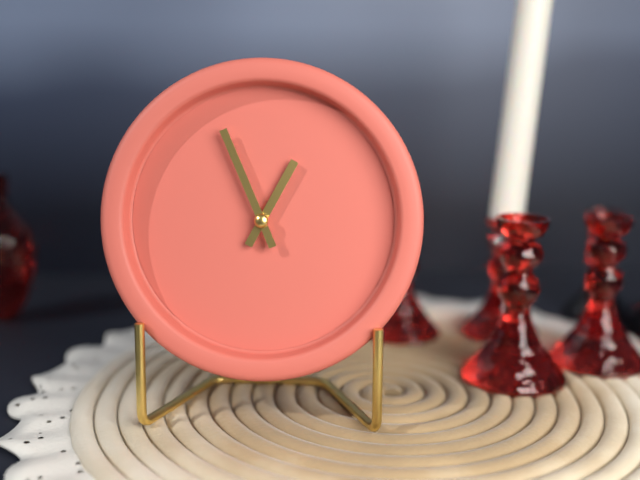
12:56
